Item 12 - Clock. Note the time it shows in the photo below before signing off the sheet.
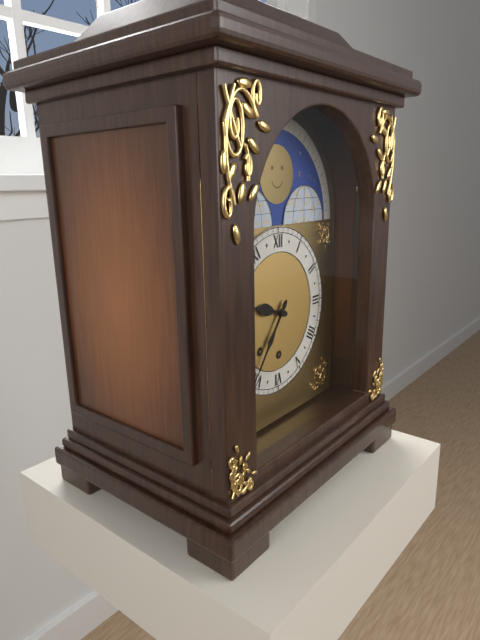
9:36
